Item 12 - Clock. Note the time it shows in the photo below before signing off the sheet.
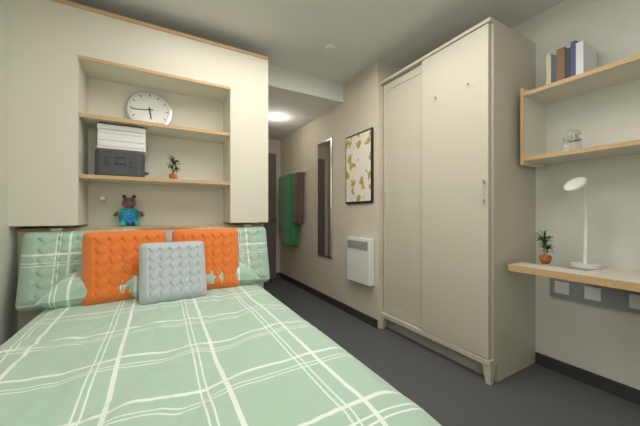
5:44
